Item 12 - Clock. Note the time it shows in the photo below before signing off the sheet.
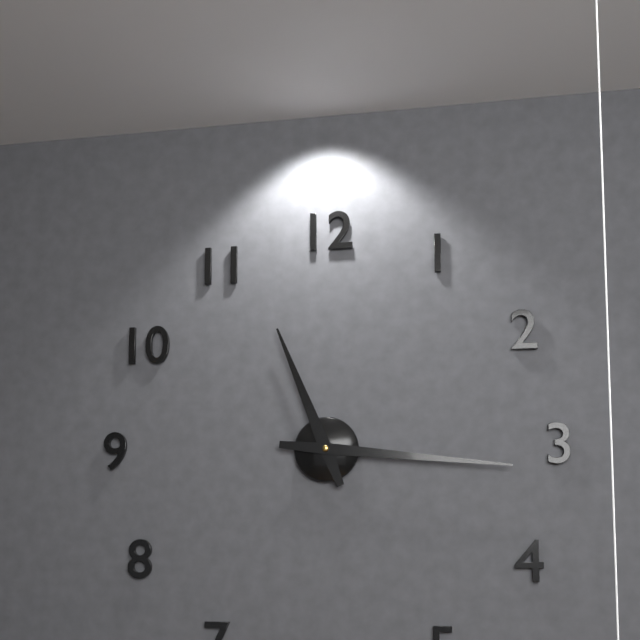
11:16
